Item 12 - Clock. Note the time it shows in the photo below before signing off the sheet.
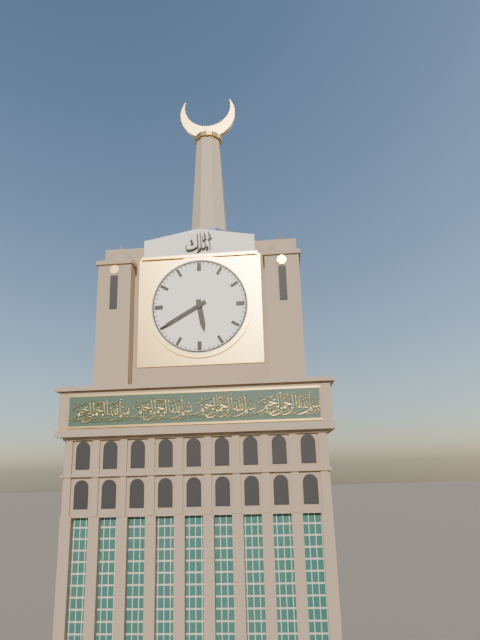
5:40
